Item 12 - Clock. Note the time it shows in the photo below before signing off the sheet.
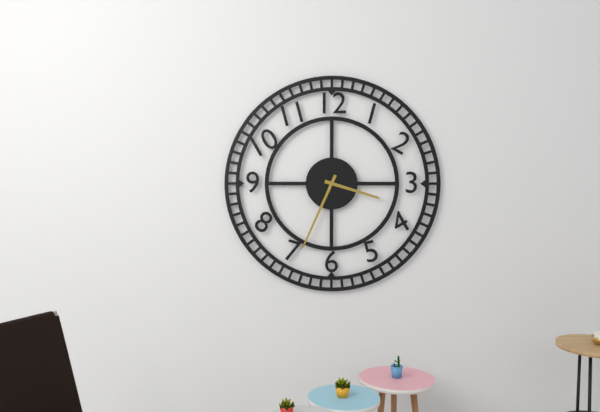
3:34
